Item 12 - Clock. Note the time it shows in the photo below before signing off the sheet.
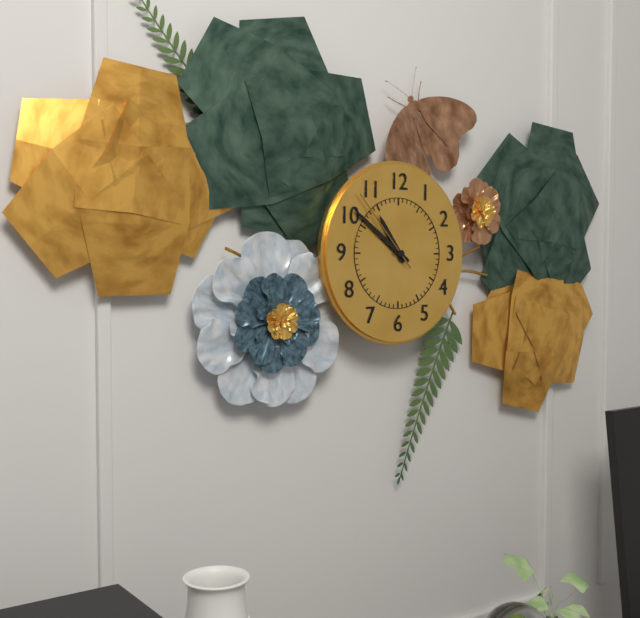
10:51:53
